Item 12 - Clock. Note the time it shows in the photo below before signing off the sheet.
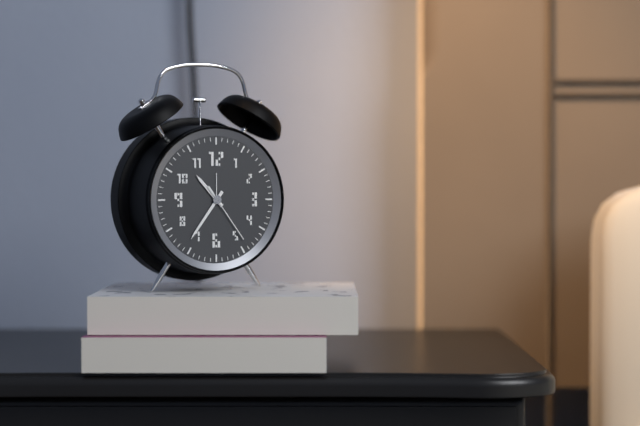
10:36:24
